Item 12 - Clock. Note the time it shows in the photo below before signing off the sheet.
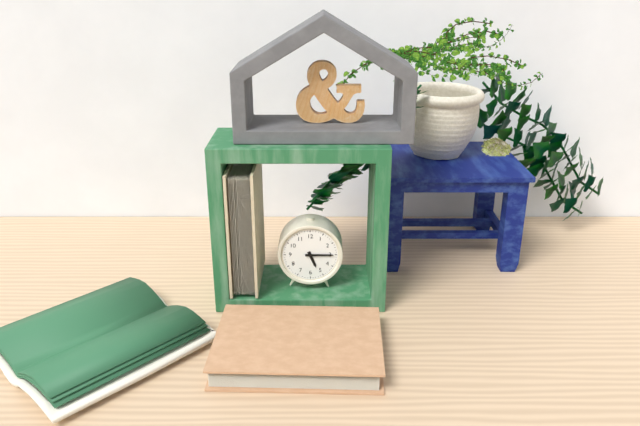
5:15
